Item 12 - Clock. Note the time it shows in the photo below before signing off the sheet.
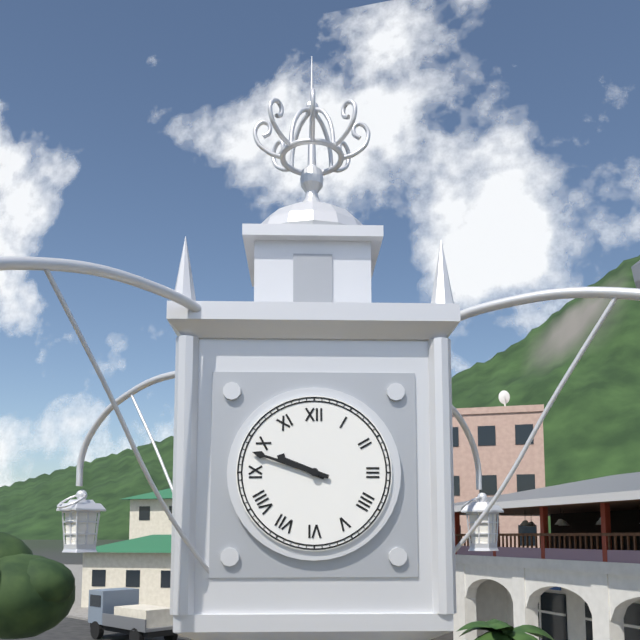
9:48
